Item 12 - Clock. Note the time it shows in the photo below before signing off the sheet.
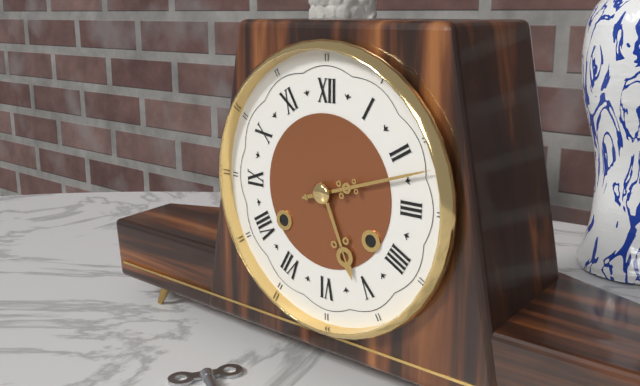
5:12
